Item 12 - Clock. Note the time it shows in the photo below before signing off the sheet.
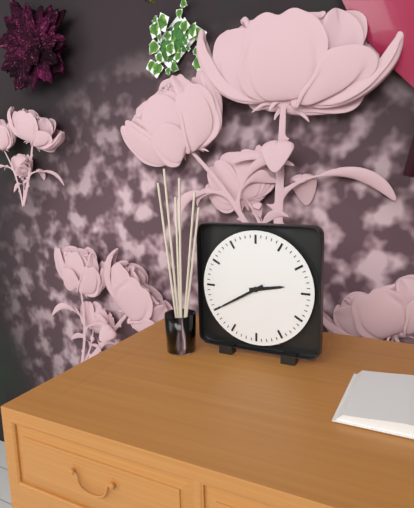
2:40
